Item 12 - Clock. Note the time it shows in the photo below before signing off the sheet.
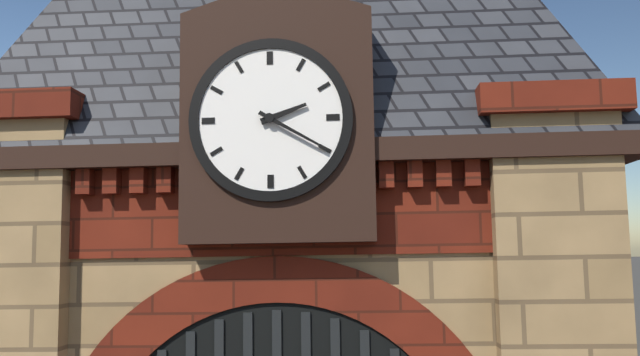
2:20
